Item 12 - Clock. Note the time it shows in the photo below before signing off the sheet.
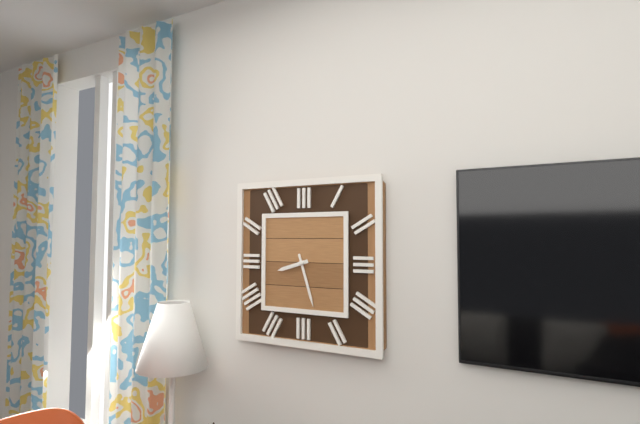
8:27
